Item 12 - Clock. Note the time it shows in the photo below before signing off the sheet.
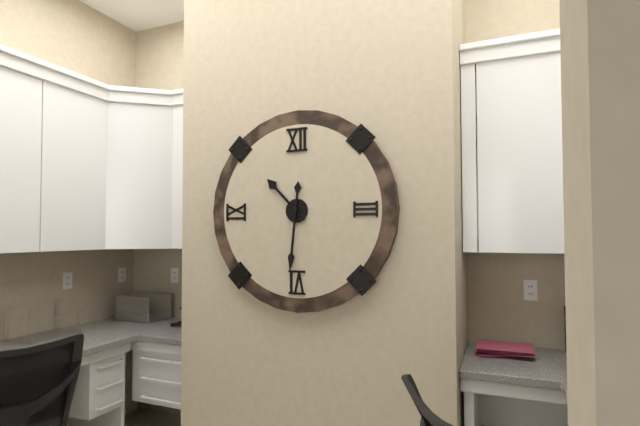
10:31
